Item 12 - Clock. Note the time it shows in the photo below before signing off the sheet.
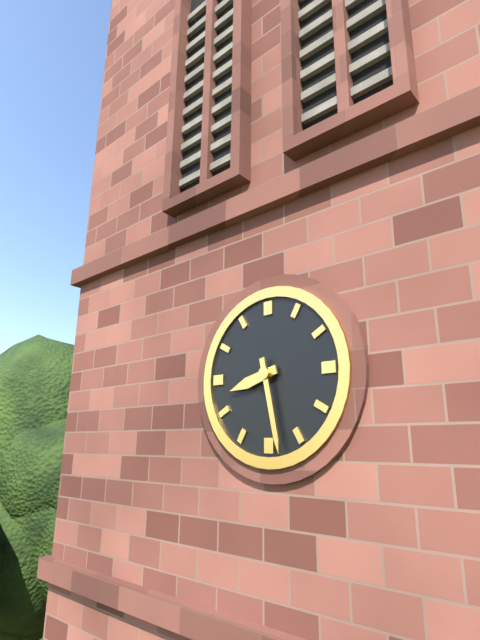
8:28
